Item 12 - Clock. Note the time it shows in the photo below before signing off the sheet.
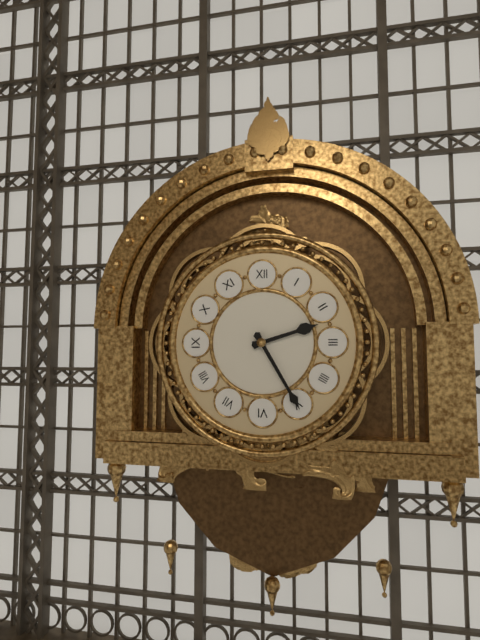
2:25
